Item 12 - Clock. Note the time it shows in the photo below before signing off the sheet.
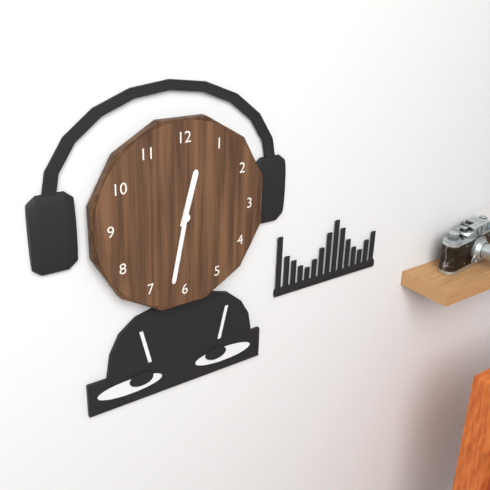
12:32
